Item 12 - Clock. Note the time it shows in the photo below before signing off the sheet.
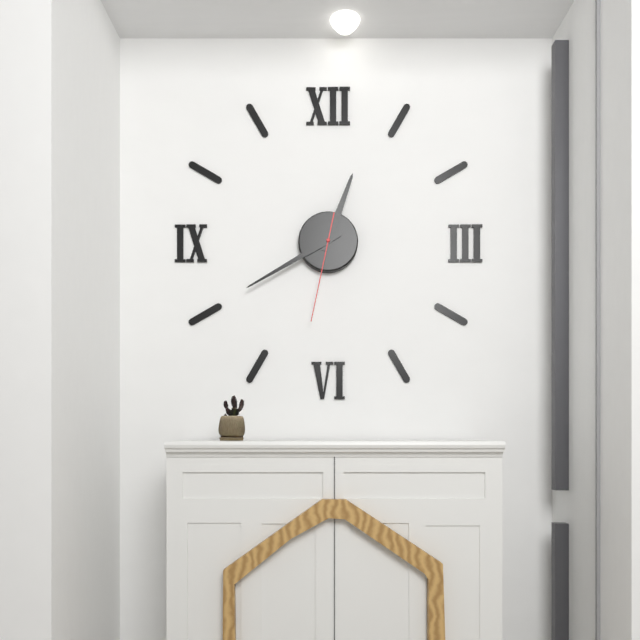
12:40:32
